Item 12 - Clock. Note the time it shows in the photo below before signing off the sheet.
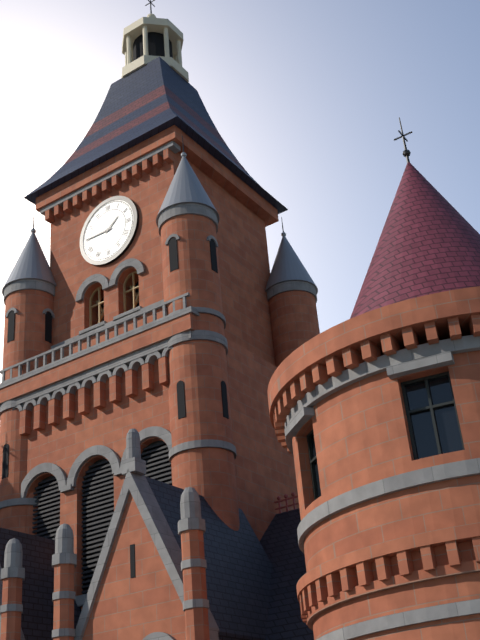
1:45
